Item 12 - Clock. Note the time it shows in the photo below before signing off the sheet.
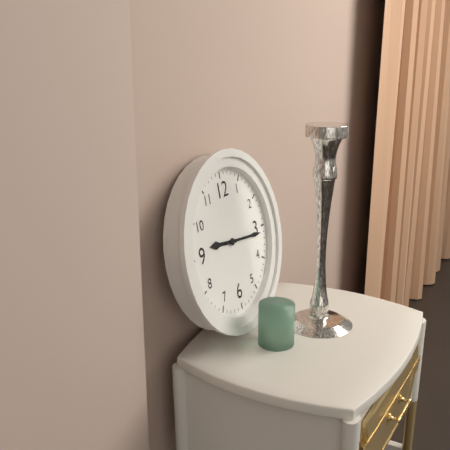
9:16
